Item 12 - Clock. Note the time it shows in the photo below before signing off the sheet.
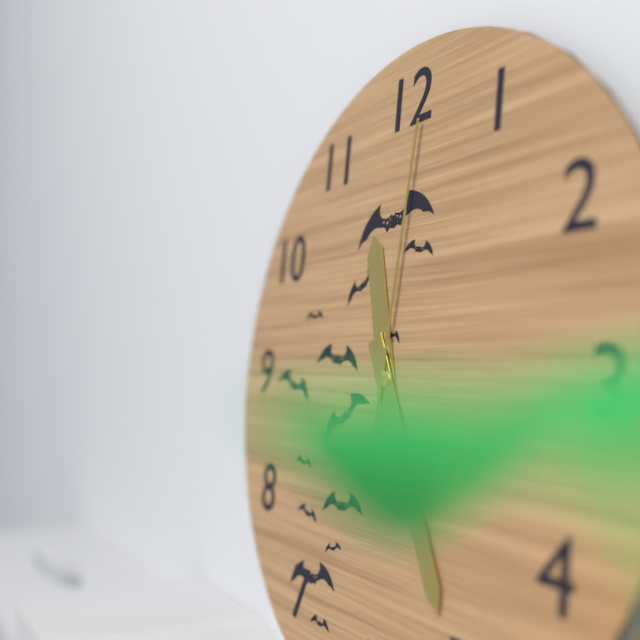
11:25:01
